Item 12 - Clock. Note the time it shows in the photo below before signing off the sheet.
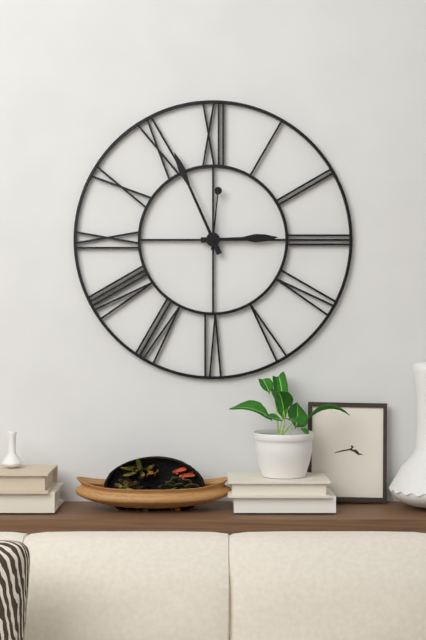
2:56:01
